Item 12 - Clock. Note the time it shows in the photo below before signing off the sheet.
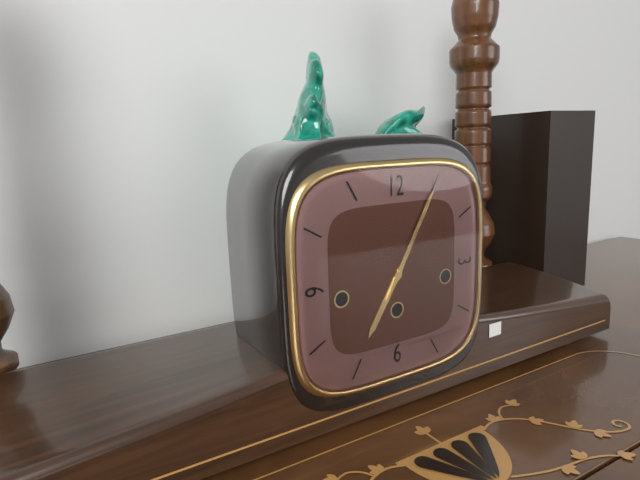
7:05
